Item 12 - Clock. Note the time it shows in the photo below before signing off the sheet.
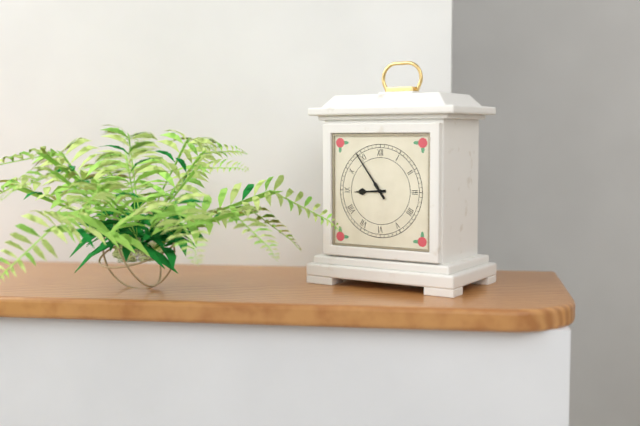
8:54
